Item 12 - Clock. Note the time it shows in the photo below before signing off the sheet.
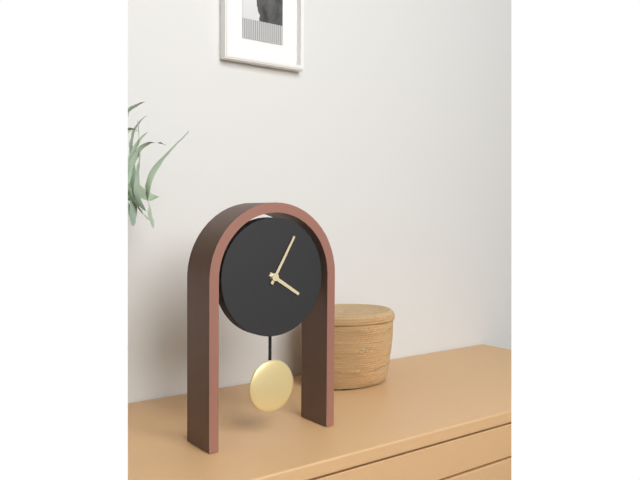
4:05
